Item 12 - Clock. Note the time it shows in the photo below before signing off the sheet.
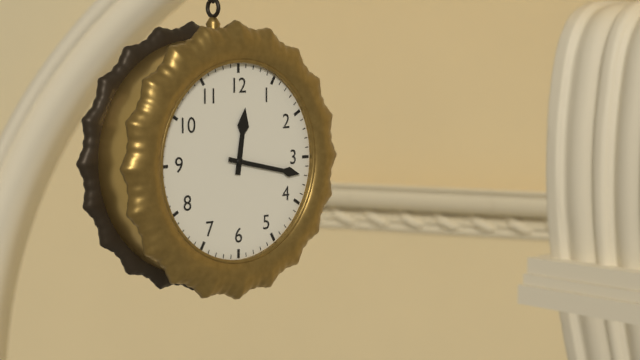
12:17
